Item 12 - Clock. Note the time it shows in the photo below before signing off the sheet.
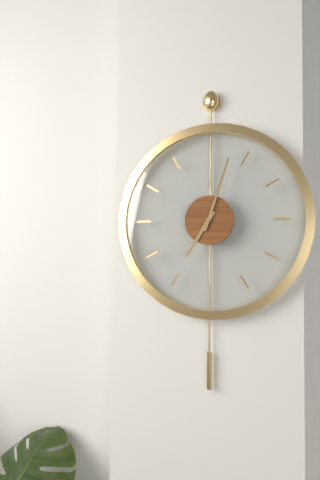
7:03
